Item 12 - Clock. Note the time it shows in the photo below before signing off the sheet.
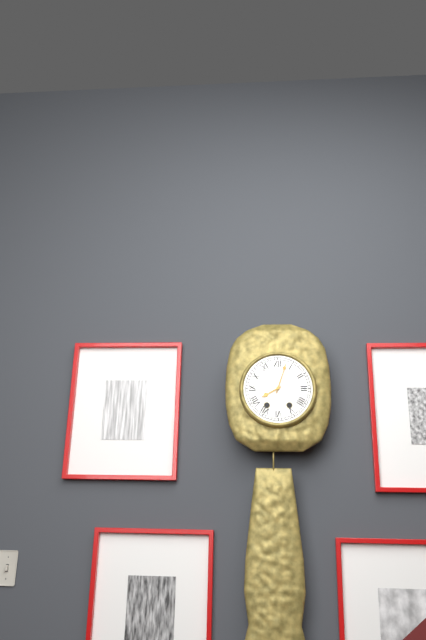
8:03
